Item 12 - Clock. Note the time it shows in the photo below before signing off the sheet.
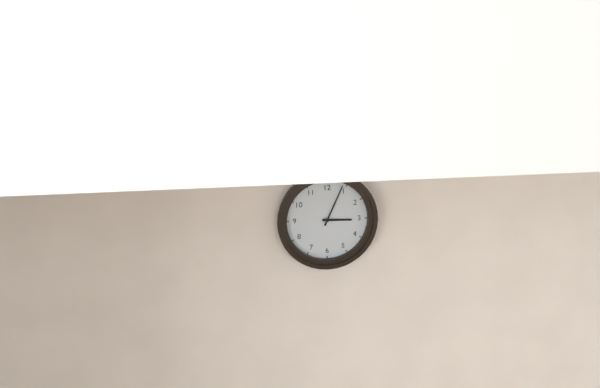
3:04
